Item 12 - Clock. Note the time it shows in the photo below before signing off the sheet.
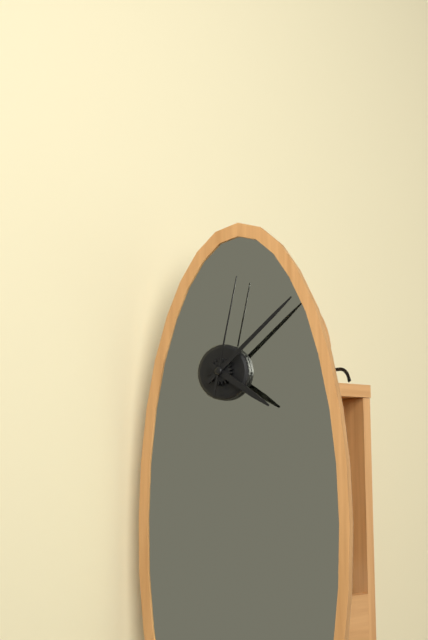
4:08:02
